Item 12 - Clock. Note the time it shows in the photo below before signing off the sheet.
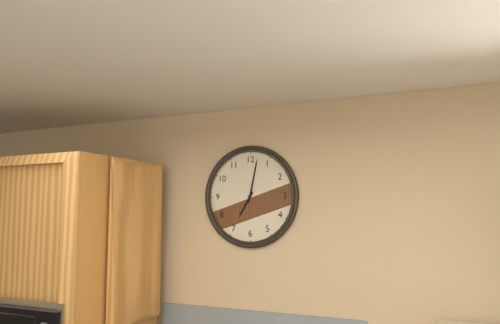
7:02
